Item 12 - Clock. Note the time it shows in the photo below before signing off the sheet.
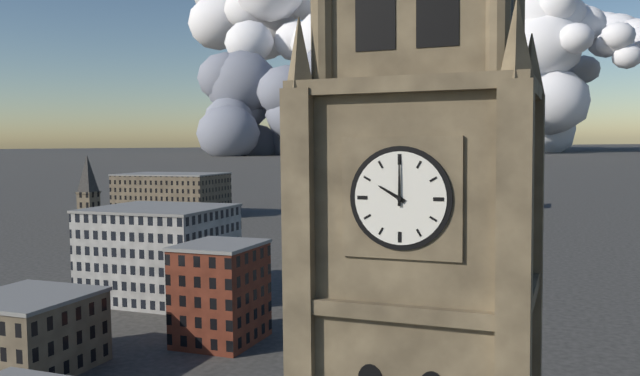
10:00
